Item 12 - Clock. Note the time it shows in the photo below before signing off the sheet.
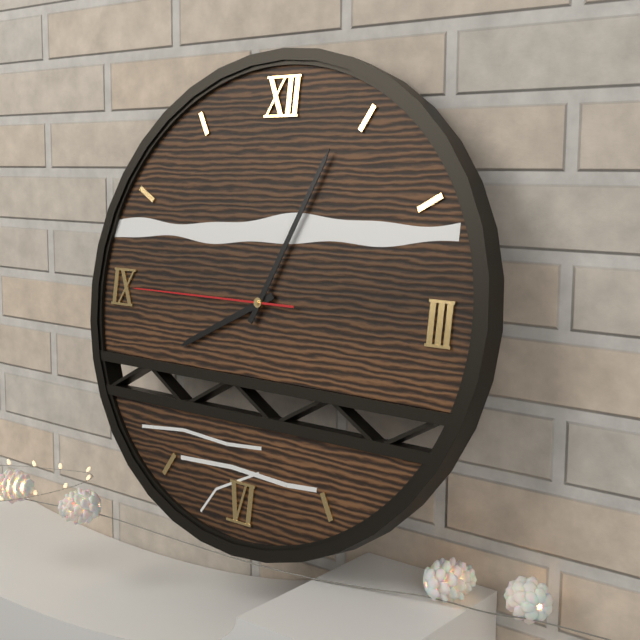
8:04:45
